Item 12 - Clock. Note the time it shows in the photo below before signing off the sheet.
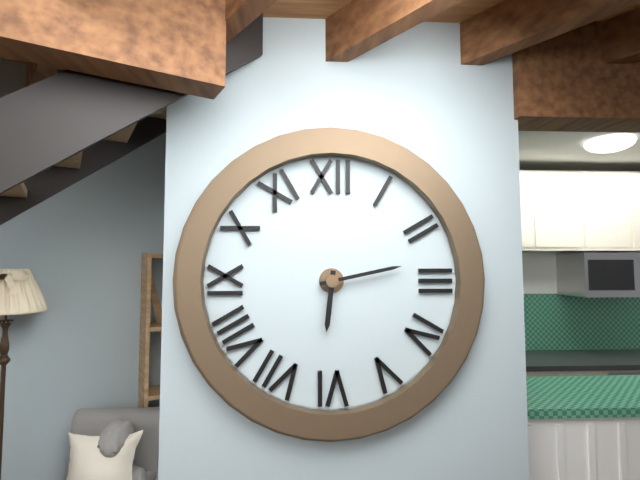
6:13
